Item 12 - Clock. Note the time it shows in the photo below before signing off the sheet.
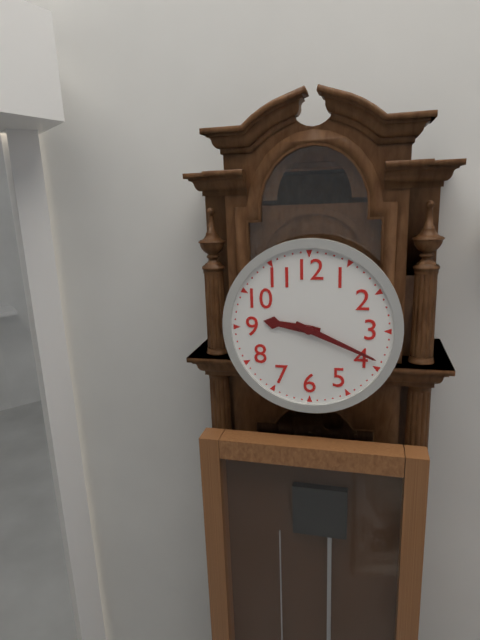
9:19
